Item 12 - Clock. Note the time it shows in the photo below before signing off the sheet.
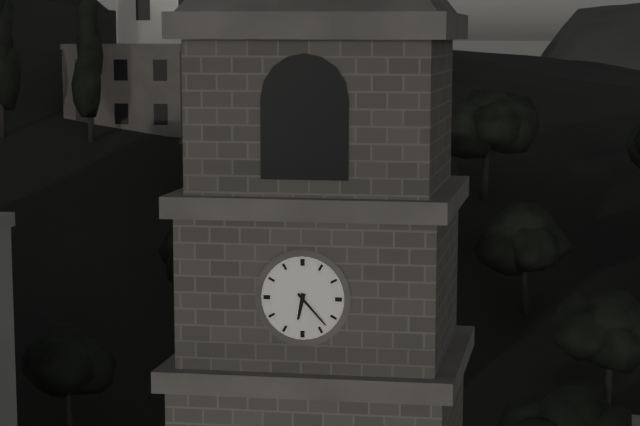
6:23
